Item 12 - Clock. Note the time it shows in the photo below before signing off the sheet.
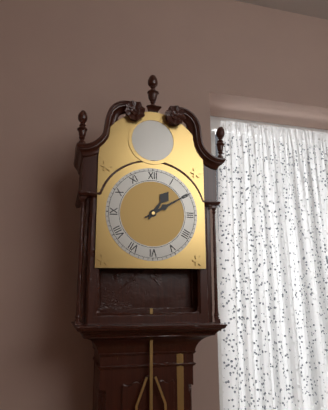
1:10
